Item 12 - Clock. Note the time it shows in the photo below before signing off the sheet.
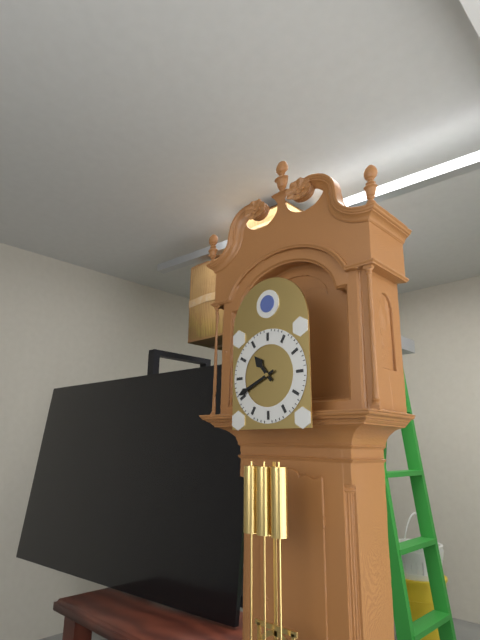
10:41
